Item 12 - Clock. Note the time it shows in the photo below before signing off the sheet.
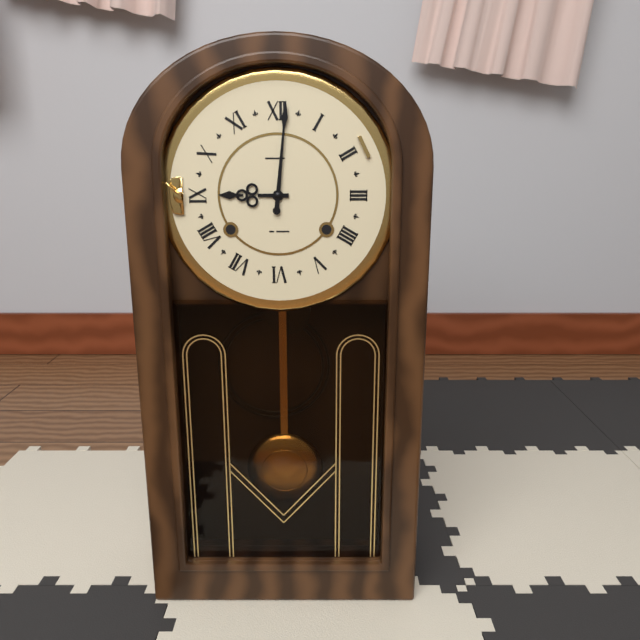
9:01
